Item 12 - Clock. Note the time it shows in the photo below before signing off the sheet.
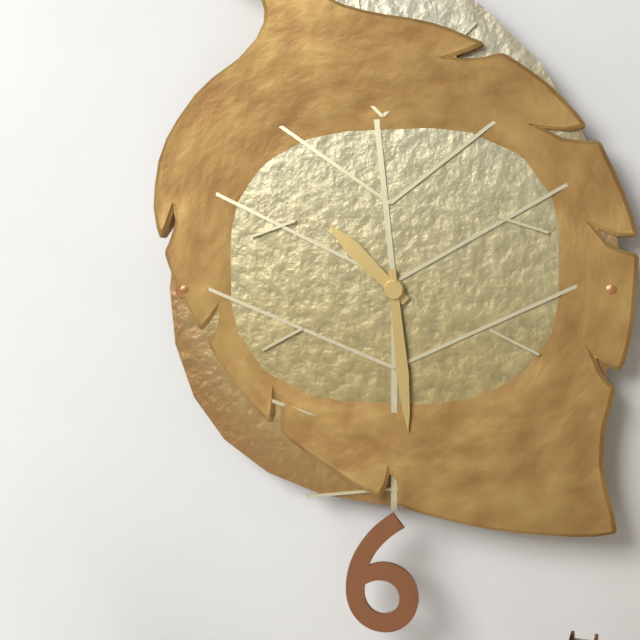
10:29
